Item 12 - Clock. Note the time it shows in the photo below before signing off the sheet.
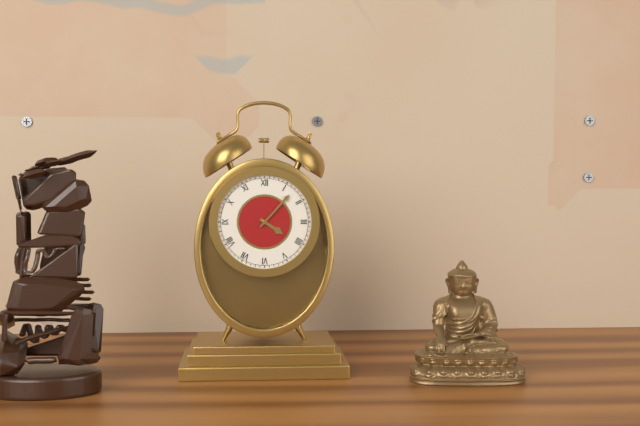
4:07
